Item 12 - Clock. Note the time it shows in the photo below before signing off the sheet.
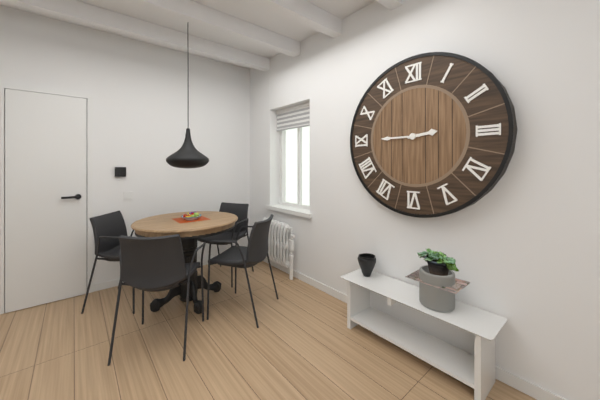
2:45
